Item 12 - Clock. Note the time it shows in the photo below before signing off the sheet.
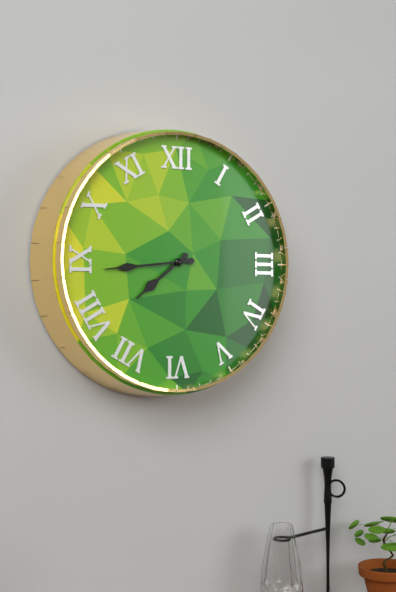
7:44
